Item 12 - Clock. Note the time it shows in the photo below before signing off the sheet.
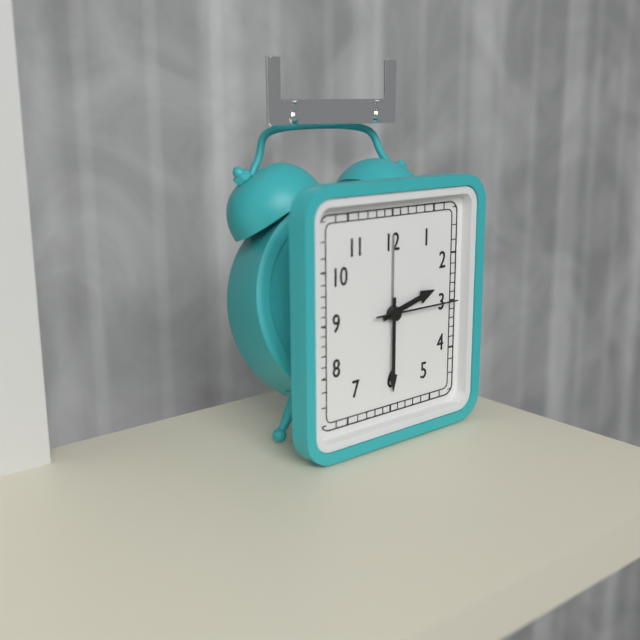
2:30:15
